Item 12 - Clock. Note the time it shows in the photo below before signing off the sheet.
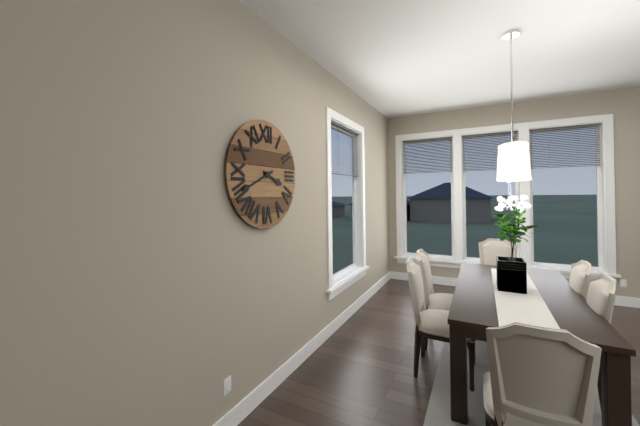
3:41
